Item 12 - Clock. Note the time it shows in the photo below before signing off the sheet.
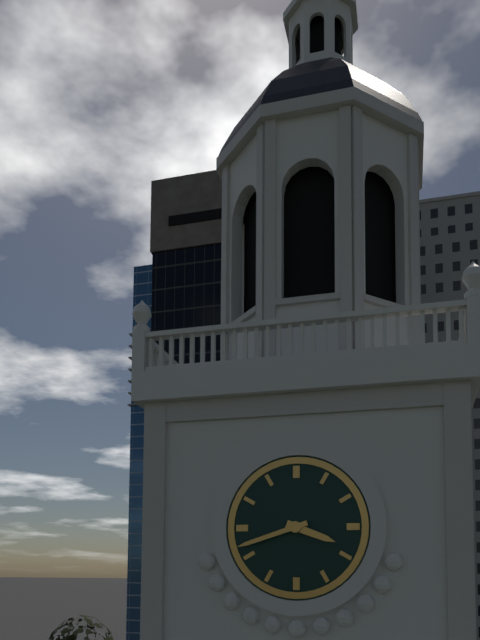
3:42
